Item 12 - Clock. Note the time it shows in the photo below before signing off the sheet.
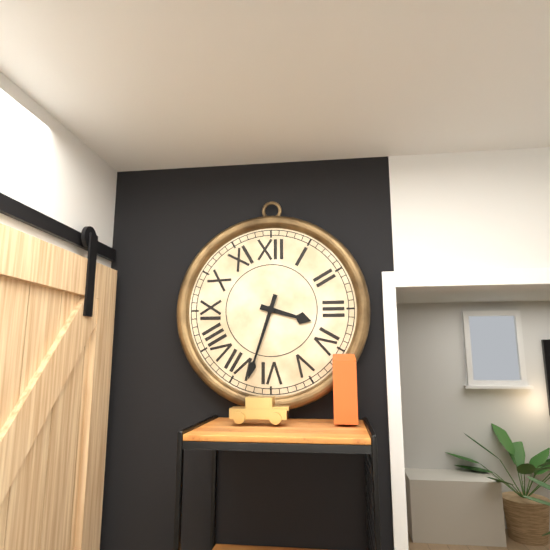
3:33
